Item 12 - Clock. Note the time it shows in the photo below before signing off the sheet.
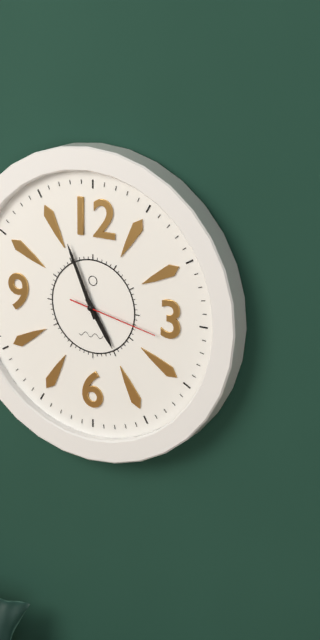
4:56:17
